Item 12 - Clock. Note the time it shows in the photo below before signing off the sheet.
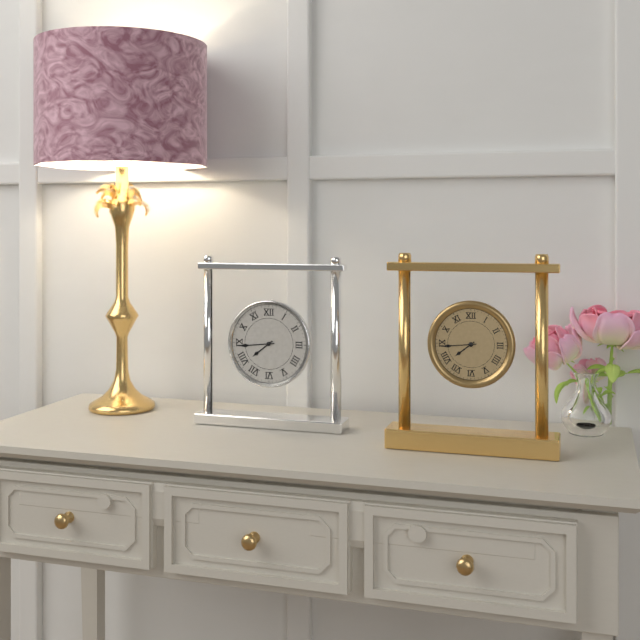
7:44
